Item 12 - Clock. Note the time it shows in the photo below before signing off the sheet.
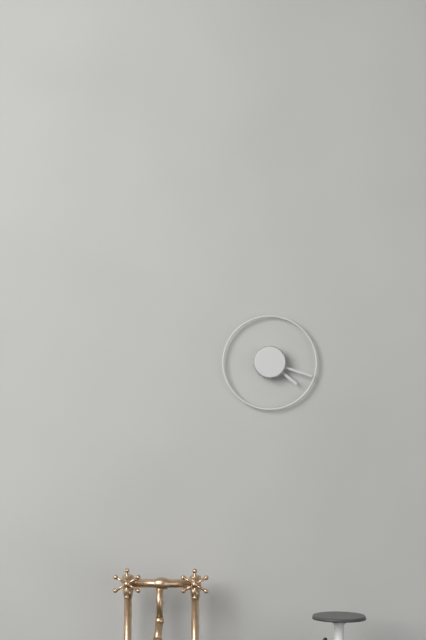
4:18
